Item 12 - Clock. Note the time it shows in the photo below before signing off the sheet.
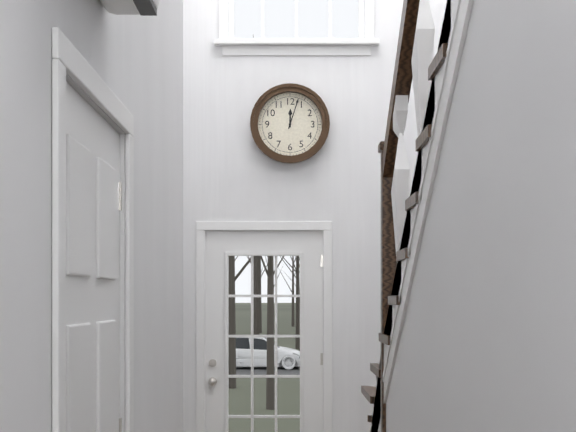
12:03
